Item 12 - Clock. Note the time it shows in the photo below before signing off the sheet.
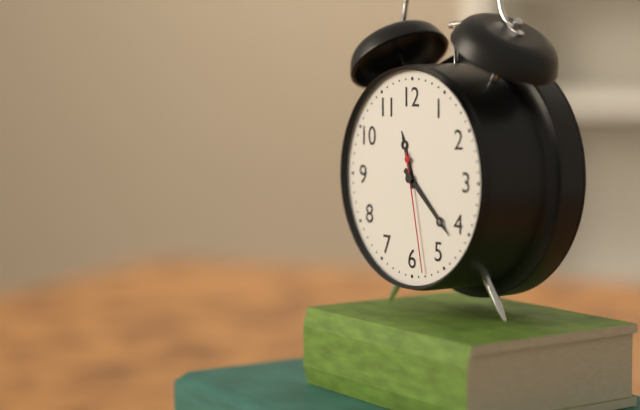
11:22:28
